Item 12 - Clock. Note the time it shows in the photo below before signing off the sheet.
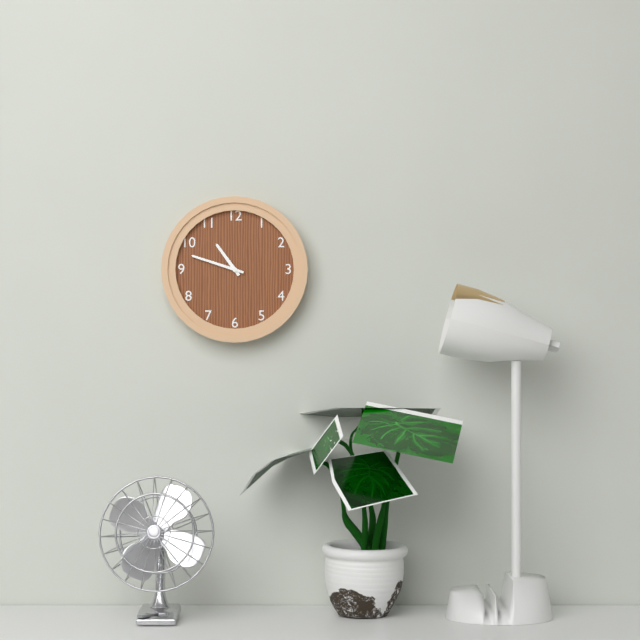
10:48
